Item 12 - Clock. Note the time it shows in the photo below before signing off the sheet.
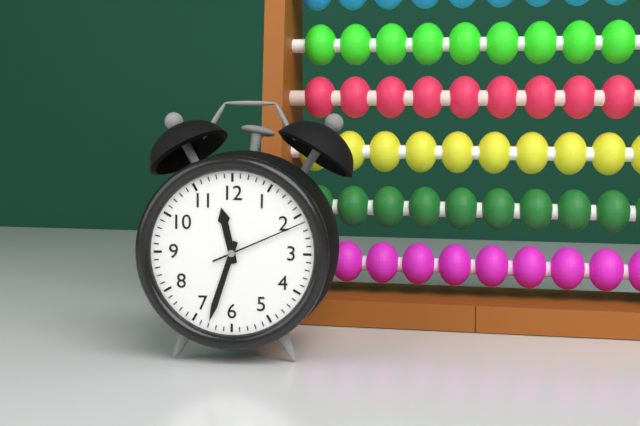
11:33:11
